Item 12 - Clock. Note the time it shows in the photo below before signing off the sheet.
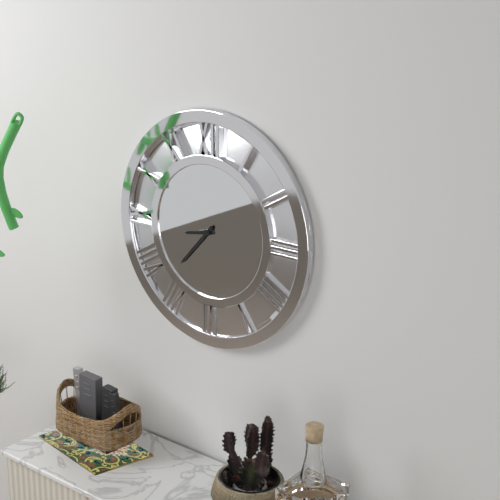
8:37
